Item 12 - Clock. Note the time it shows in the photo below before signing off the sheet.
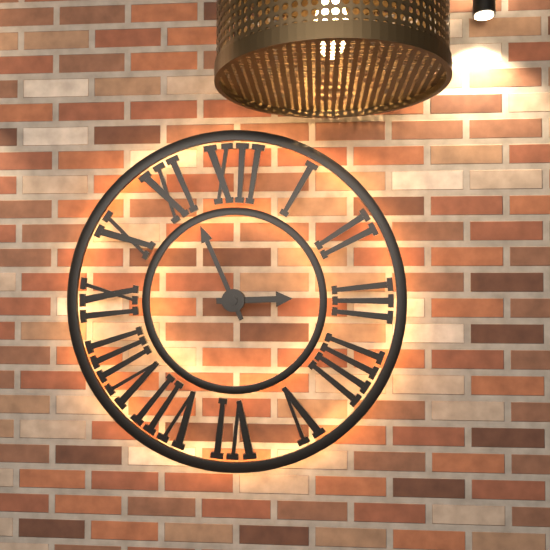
2:56
